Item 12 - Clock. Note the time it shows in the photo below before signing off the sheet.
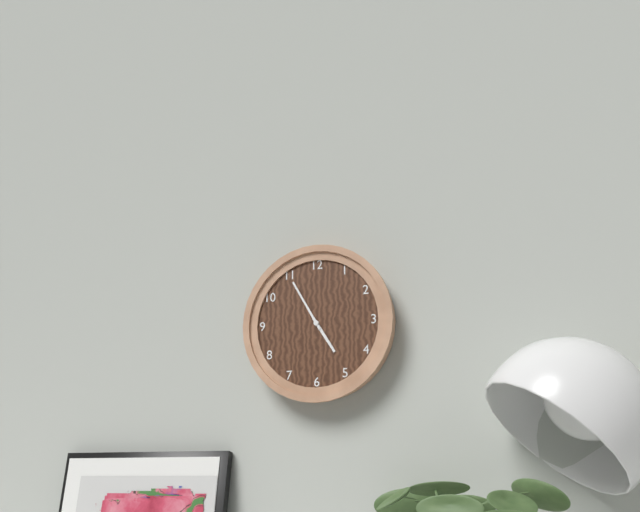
4:55
